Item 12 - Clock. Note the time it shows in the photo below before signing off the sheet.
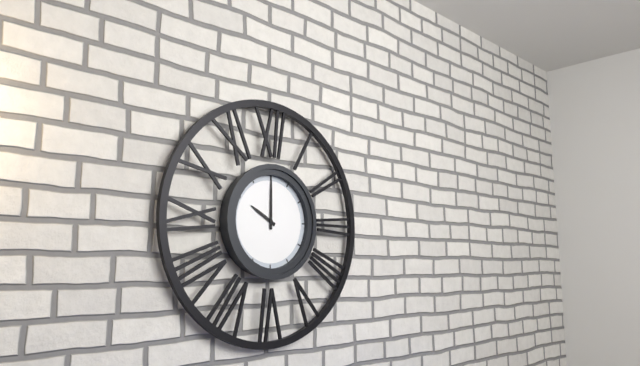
10:00
